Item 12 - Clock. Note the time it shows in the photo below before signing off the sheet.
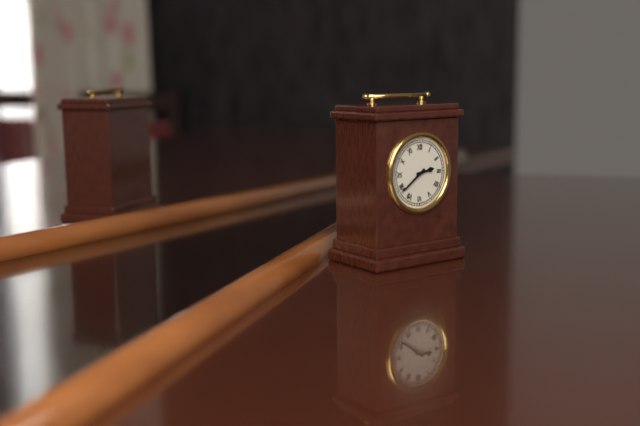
2:39
